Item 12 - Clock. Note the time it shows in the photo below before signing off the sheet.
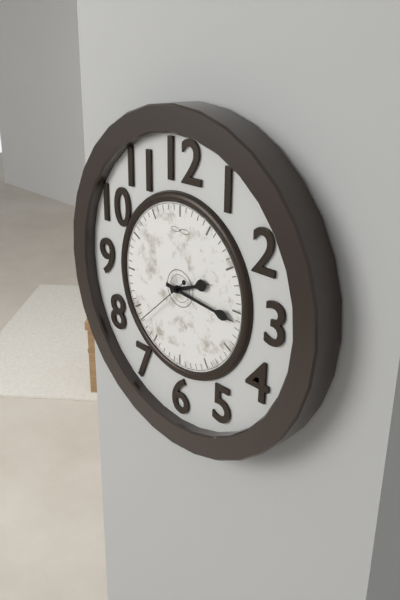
2:16:38
